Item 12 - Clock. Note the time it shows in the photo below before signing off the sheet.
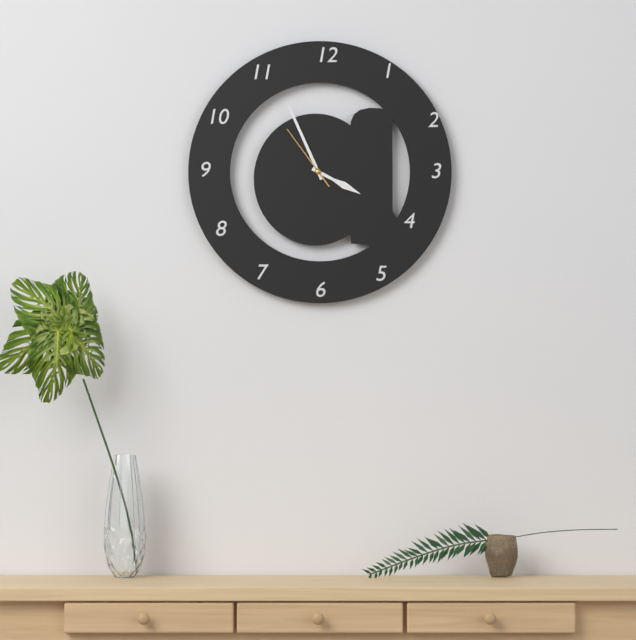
3:56:54
